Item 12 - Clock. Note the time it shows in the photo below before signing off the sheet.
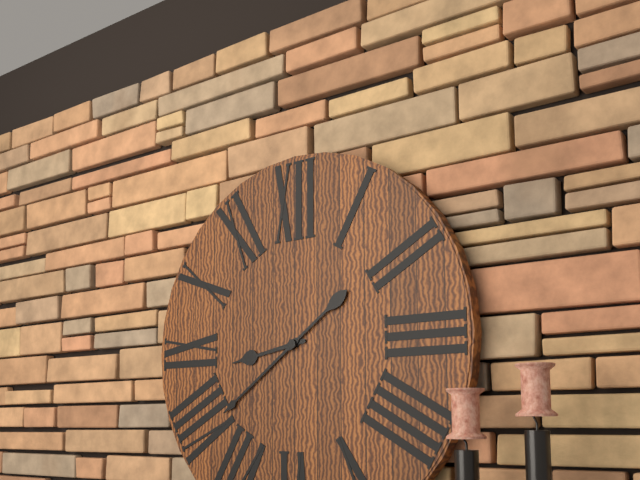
8:39
